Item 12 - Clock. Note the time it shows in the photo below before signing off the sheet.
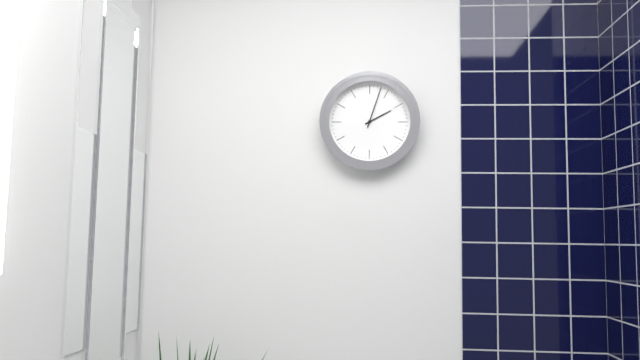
2:03
